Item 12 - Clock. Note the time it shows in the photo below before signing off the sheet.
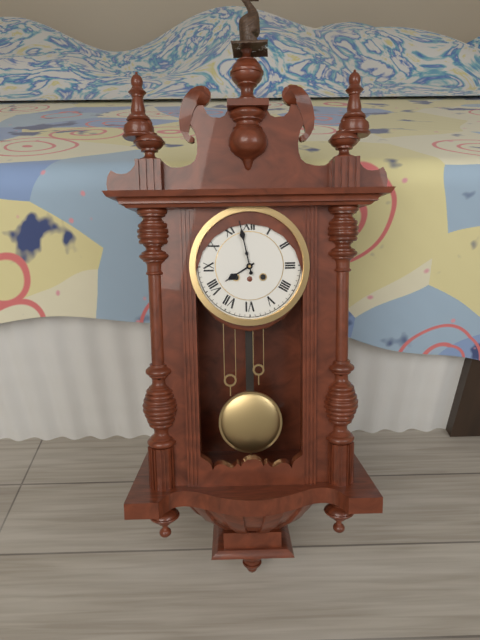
7:58
